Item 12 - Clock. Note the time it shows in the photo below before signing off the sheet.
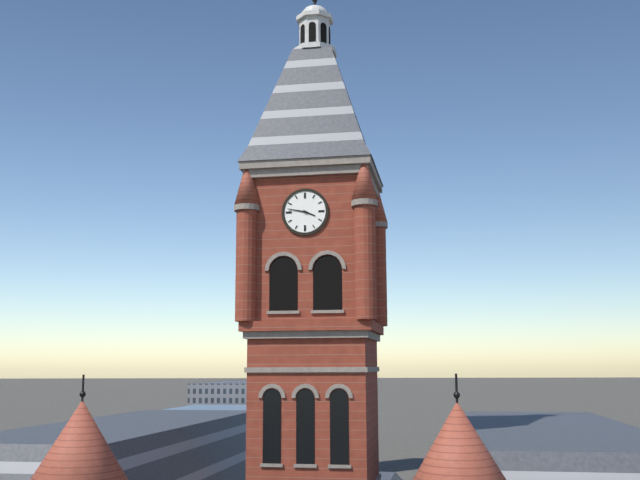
3:47
